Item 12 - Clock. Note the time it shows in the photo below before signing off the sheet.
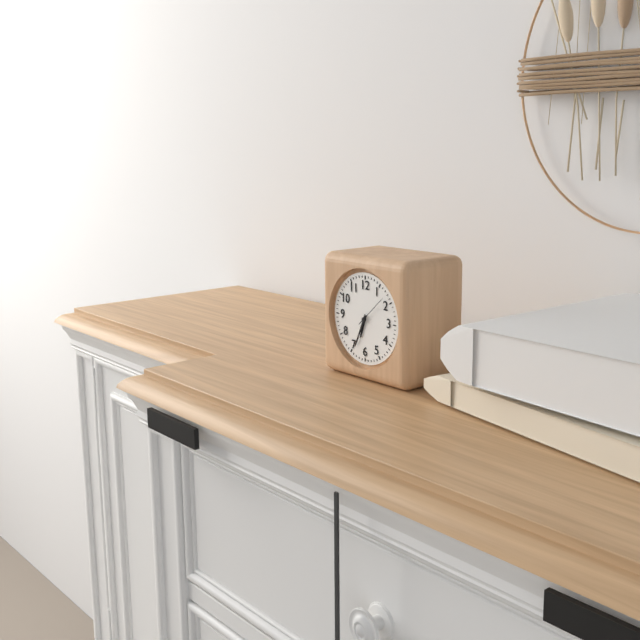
6:34
